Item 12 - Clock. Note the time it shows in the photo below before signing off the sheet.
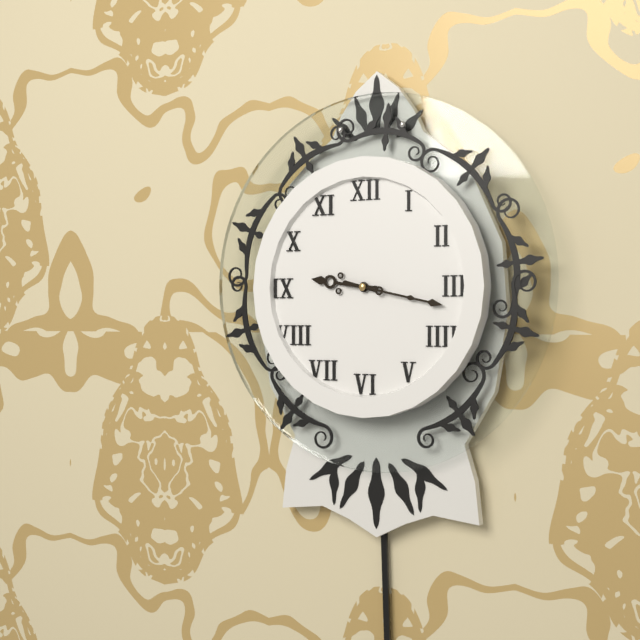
9:17
